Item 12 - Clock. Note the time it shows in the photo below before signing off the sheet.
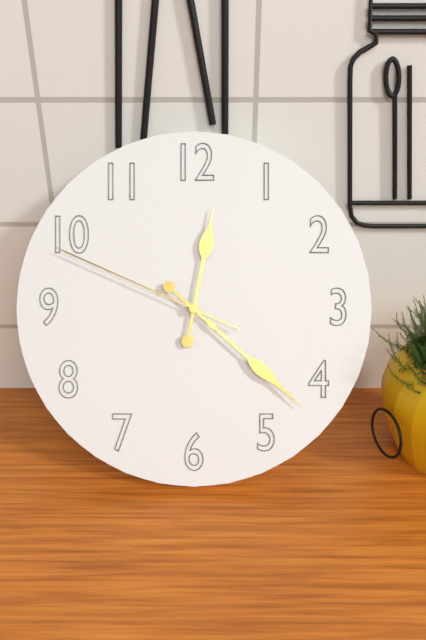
12:22:49
